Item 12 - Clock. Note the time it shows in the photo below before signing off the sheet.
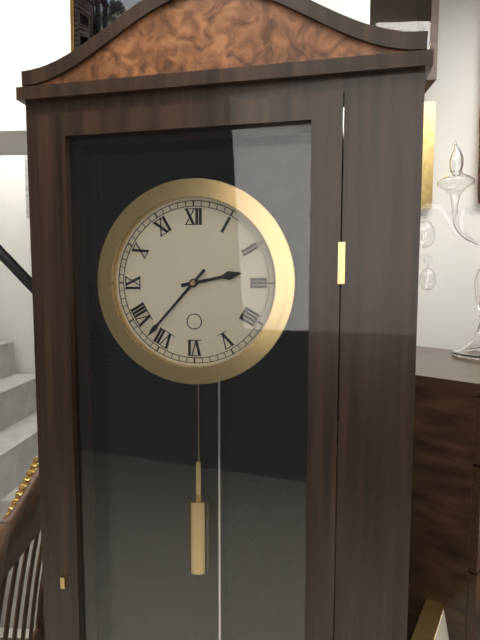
2:37
